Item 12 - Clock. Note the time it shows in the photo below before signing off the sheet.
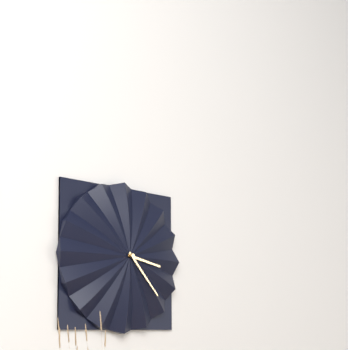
3:23
